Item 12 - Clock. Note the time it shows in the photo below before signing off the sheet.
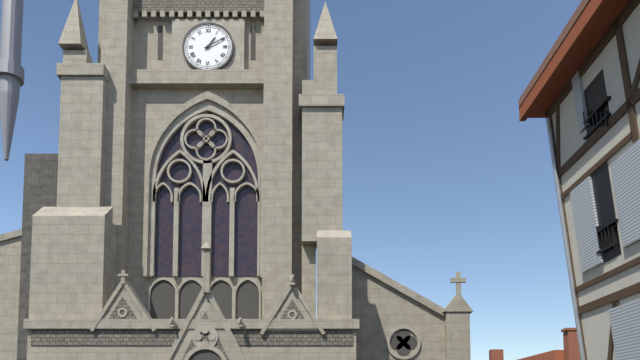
1:10
